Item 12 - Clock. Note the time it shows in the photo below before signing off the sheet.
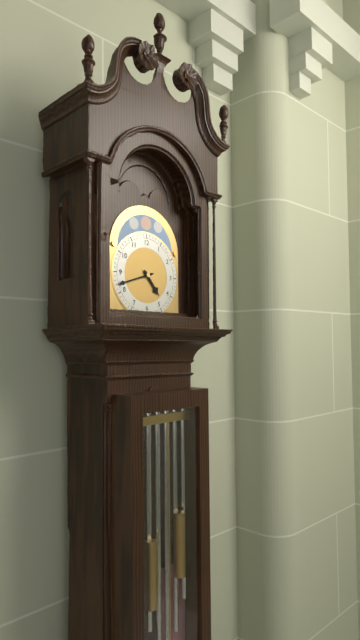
4:42
